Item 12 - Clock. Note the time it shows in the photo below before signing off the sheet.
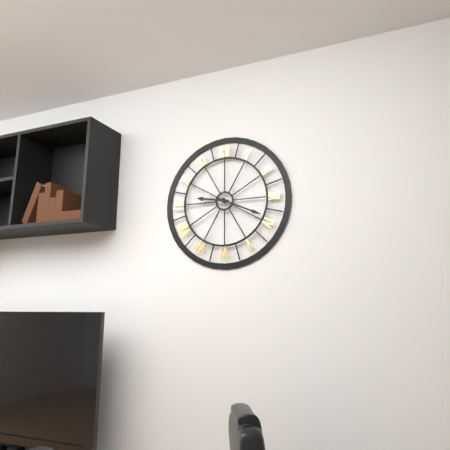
9:19
